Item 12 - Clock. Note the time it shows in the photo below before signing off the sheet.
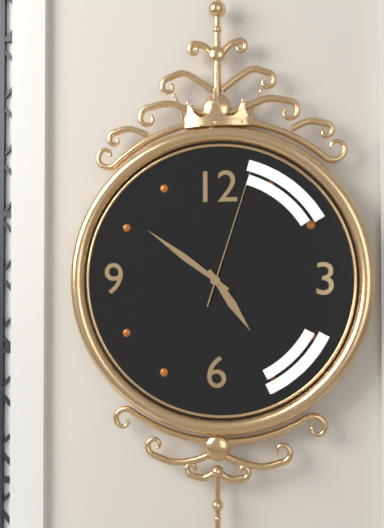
4:51:03
